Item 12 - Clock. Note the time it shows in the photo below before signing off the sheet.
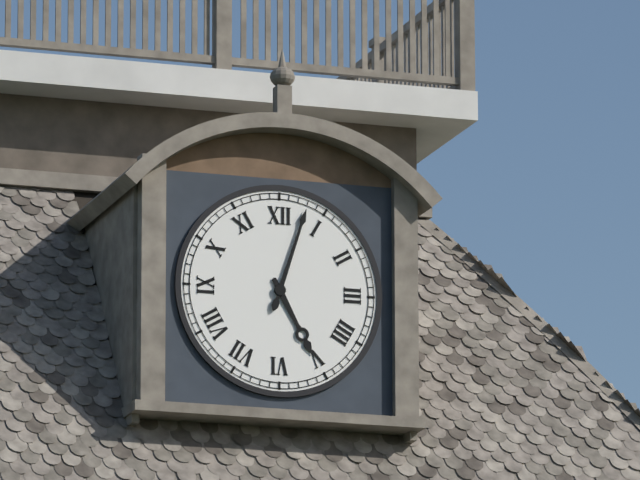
5:03
